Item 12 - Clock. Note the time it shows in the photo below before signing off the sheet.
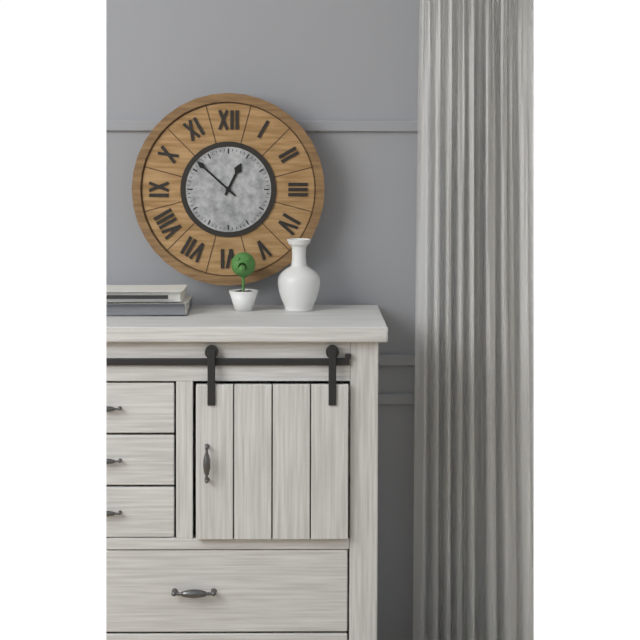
12:52
